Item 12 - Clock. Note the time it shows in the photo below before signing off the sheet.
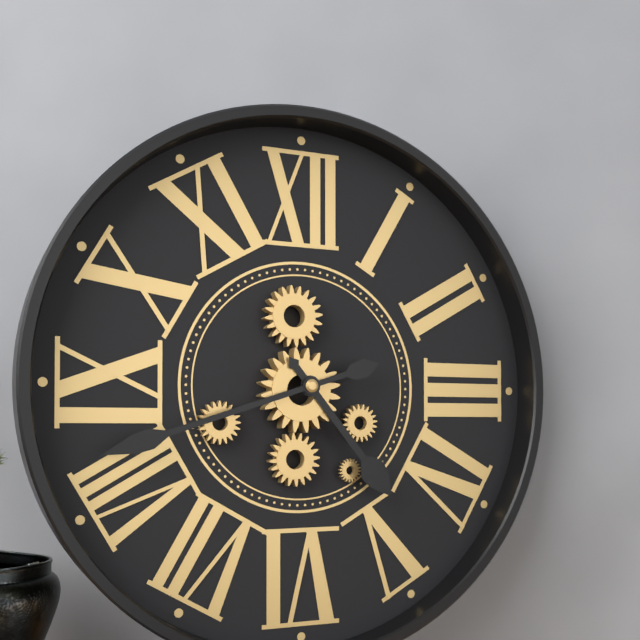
4:42
